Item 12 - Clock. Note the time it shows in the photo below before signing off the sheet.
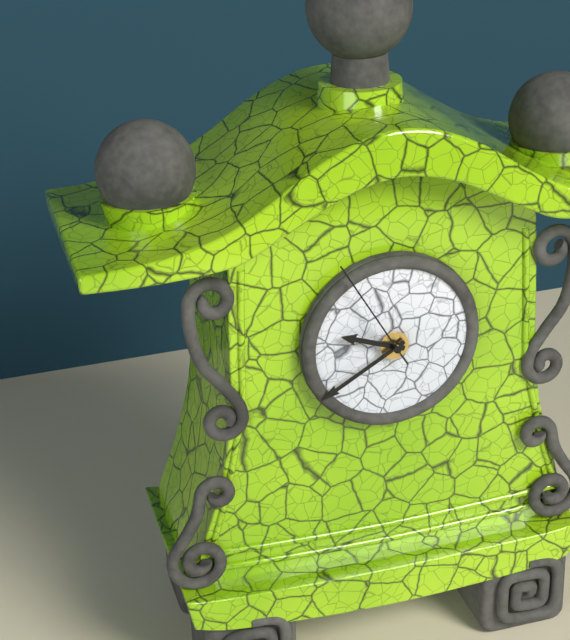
9:40:55
